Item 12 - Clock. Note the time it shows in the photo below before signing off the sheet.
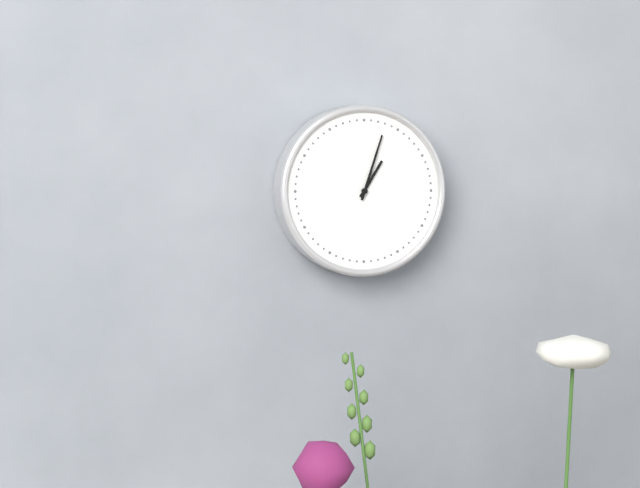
1:03
